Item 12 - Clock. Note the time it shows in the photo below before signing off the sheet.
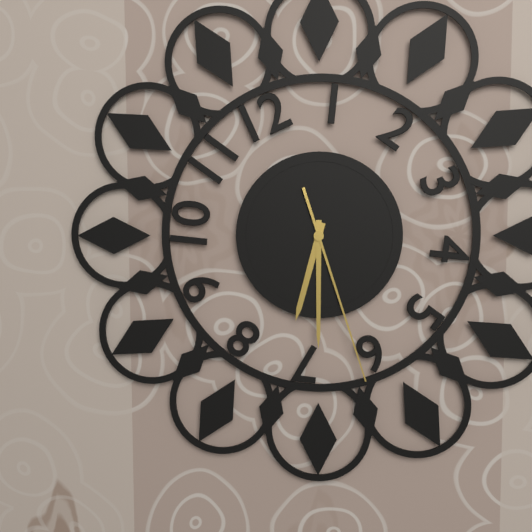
6:30:27
